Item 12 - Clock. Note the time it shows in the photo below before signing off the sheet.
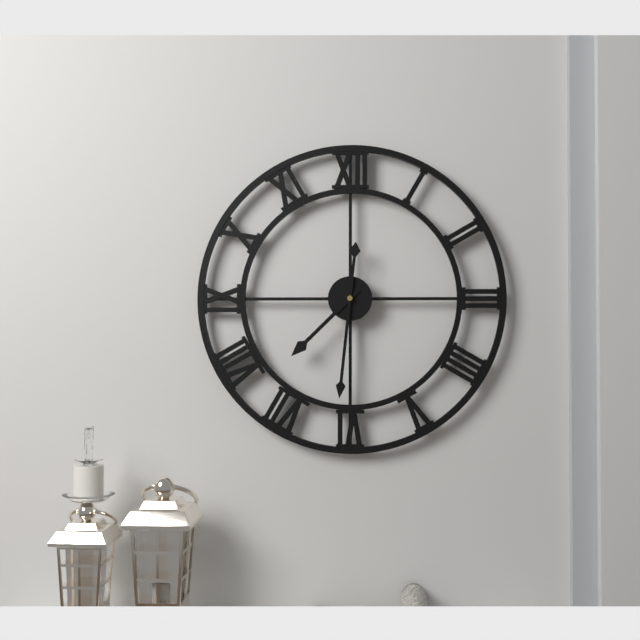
7:31
